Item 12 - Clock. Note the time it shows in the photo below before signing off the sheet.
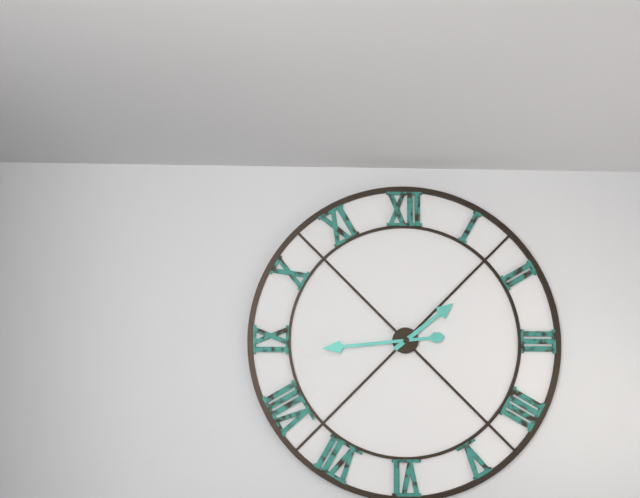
1:44
